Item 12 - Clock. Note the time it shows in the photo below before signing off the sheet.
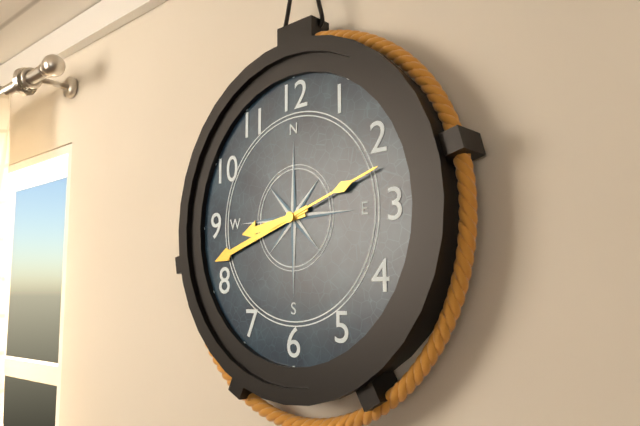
8:42:12
